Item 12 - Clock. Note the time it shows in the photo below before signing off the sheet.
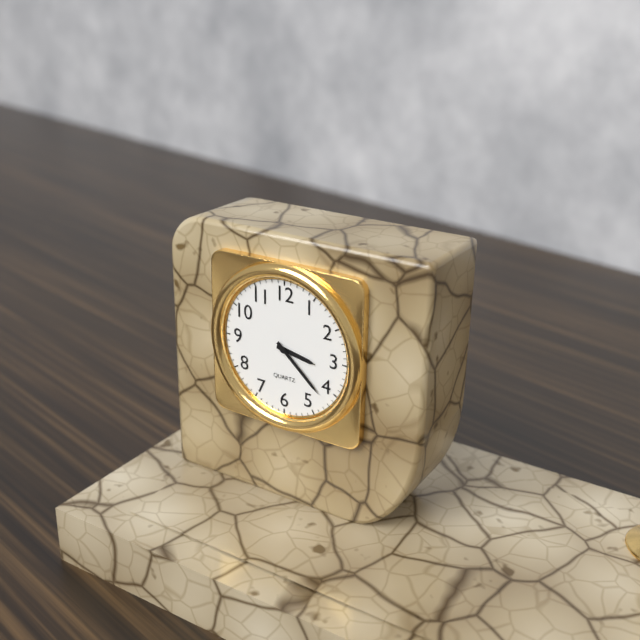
3:22
